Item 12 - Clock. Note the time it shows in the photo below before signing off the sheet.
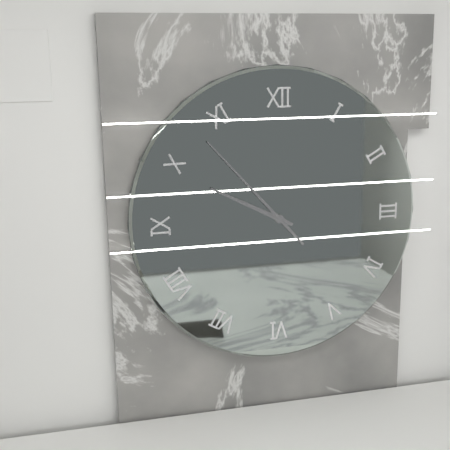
9:53
